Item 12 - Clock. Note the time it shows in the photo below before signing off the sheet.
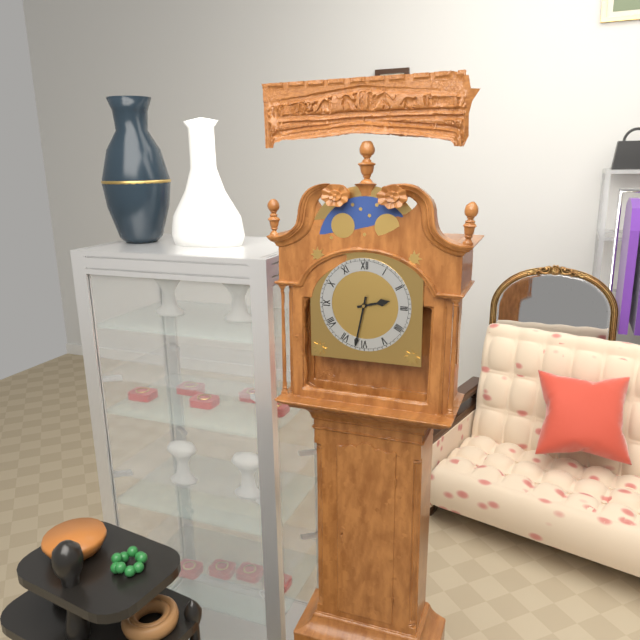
2:32
